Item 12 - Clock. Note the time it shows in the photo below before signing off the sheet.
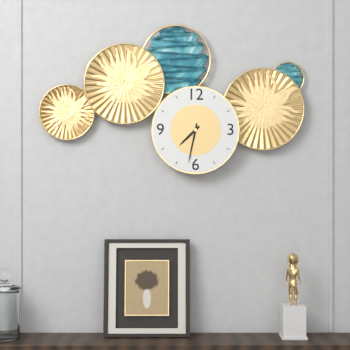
7:32
